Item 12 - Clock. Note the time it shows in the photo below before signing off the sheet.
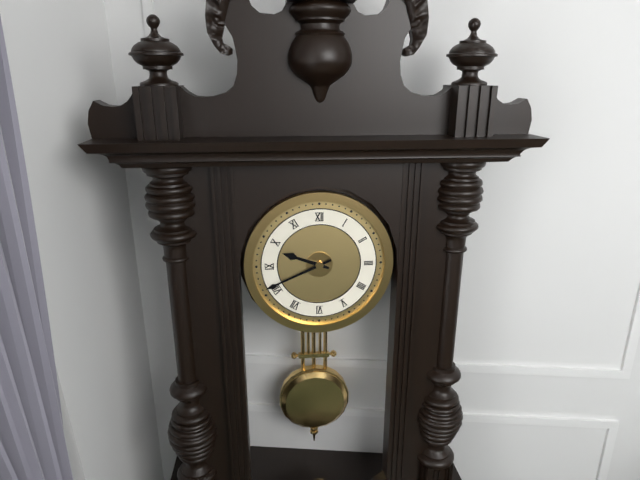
9:41
